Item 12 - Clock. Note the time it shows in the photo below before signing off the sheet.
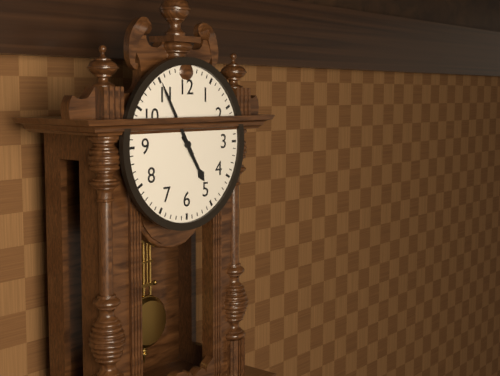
4:55
